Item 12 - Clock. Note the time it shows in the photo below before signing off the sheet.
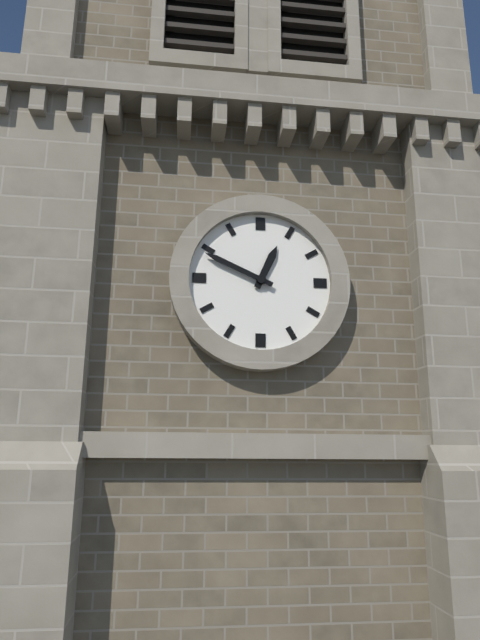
12:49
